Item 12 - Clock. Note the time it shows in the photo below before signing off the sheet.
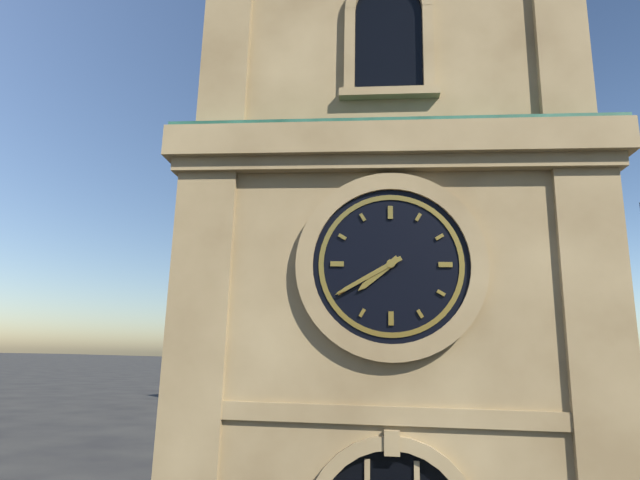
7:40
